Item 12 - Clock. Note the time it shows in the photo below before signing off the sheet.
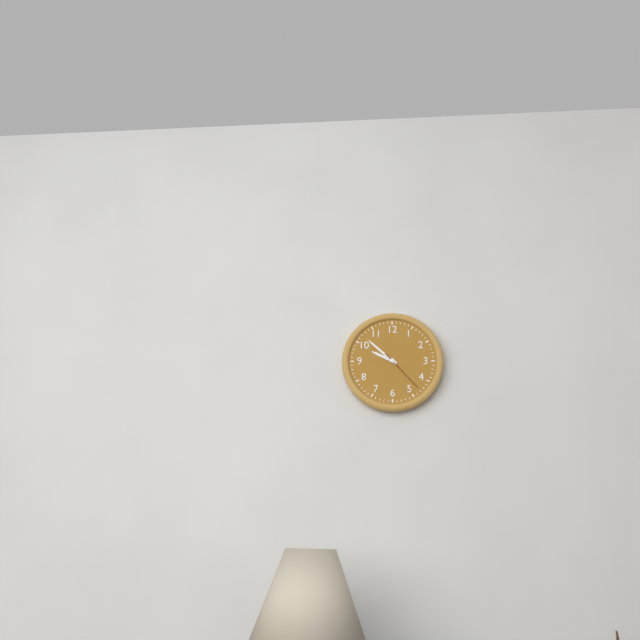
9:52
